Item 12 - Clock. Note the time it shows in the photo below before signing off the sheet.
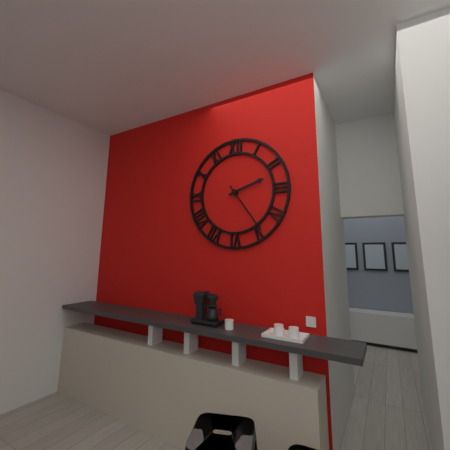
2:24
